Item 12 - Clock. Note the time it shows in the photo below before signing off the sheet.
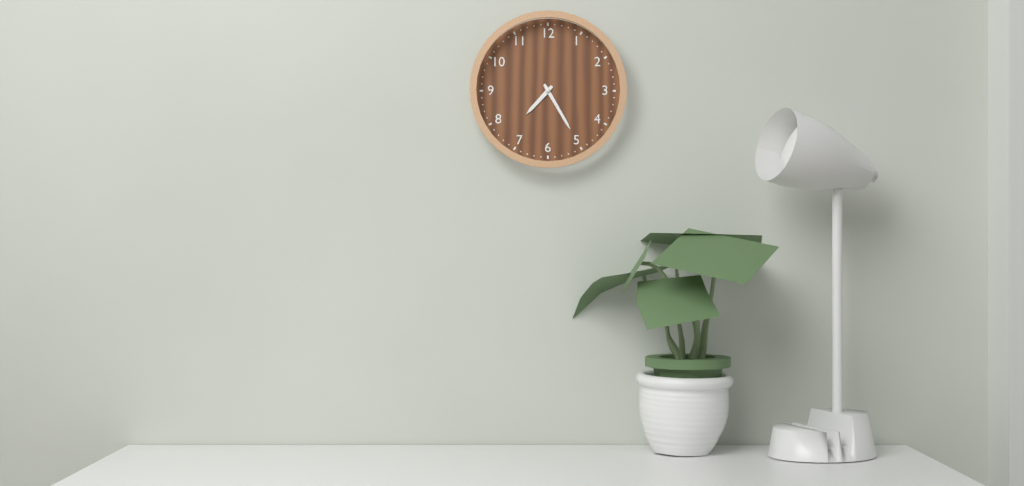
7:25
